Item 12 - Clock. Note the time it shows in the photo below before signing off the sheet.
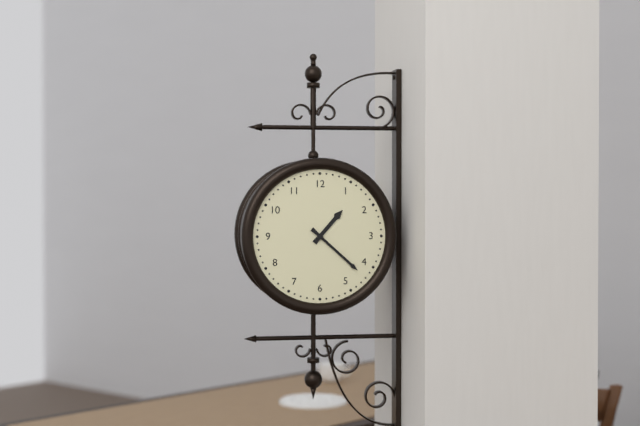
1:22
